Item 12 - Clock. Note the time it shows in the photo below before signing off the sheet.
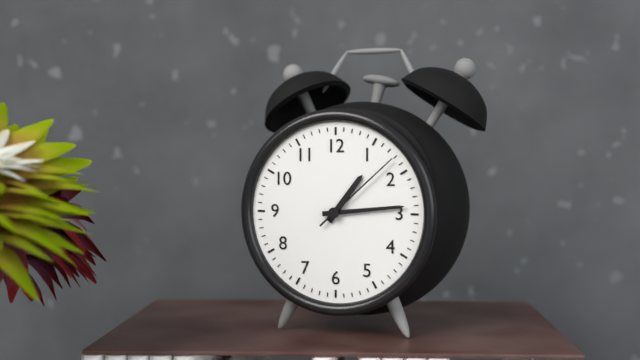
1:14:08
